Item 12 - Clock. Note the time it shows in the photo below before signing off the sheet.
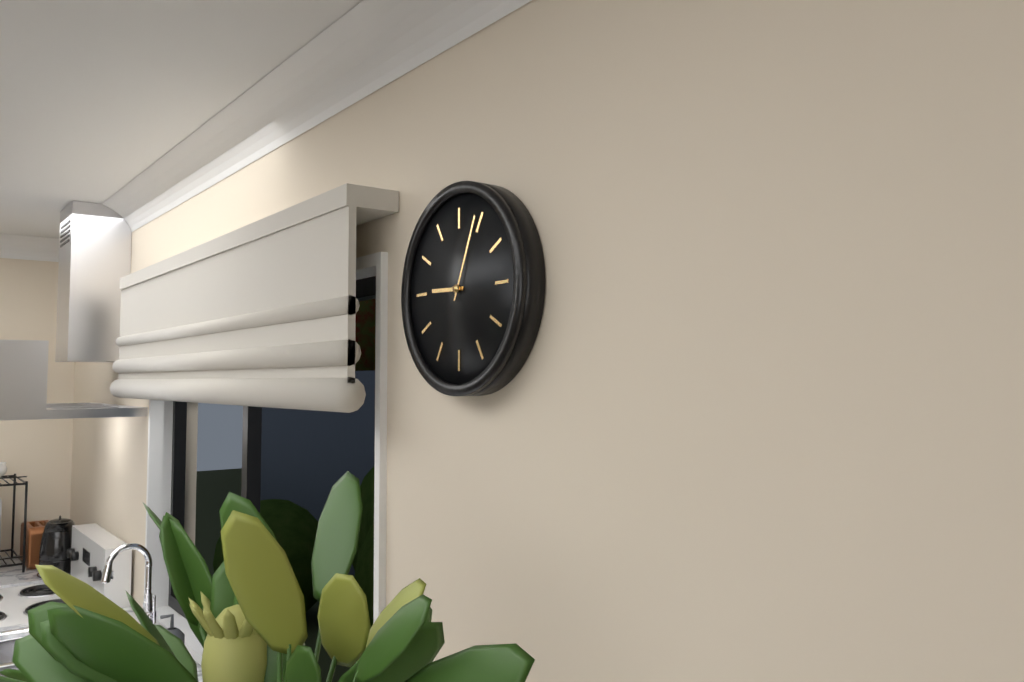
9:04
